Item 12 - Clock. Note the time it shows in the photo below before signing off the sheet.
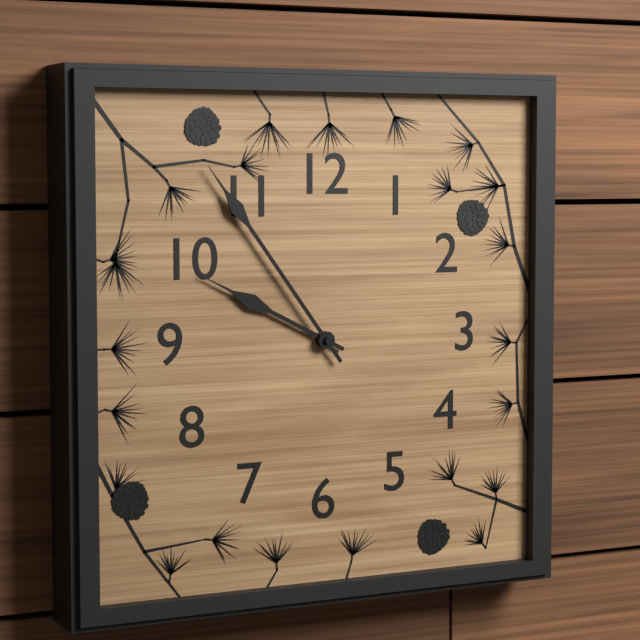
9:54
